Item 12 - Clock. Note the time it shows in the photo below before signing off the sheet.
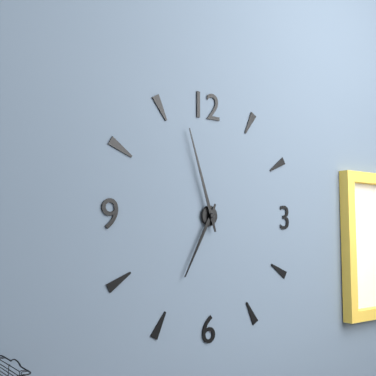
6:57
